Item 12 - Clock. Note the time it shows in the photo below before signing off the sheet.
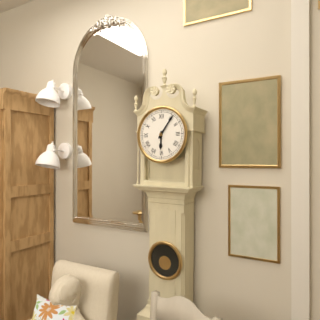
6:06
